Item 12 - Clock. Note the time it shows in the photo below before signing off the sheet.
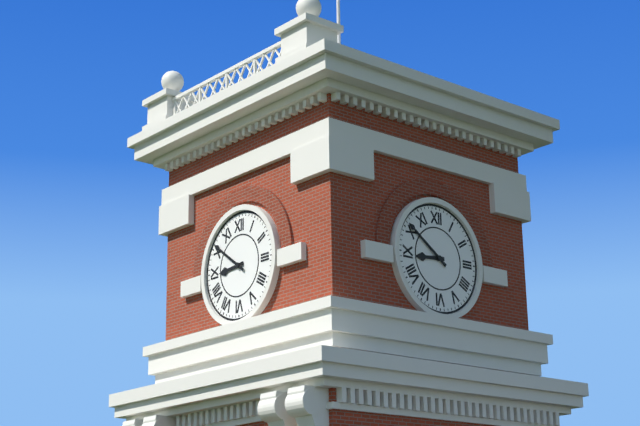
8:51
